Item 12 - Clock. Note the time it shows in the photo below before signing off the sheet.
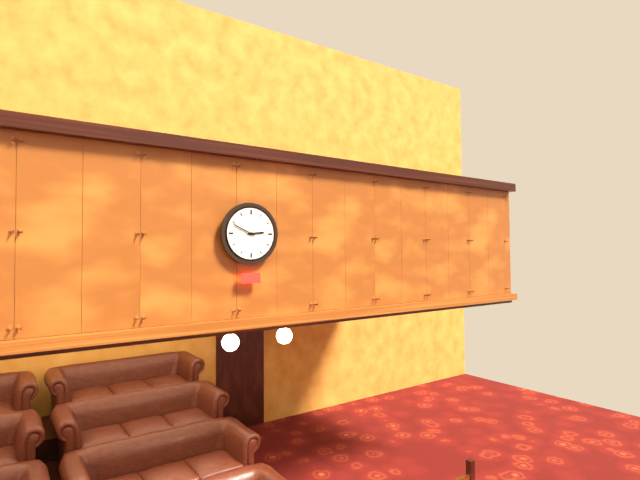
2:49
